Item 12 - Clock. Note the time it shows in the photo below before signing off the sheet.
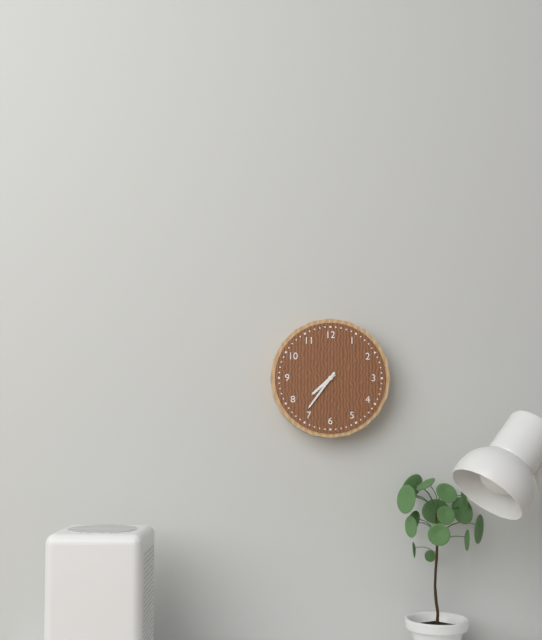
7:36
